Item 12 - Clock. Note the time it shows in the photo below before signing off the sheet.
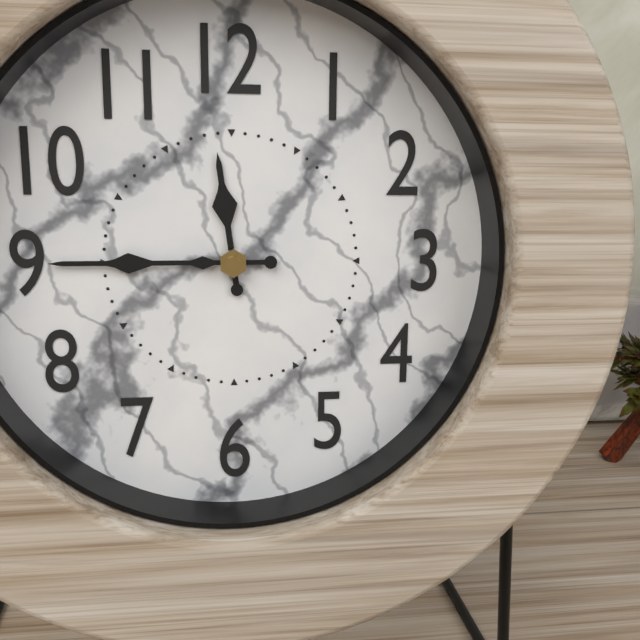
11:45
